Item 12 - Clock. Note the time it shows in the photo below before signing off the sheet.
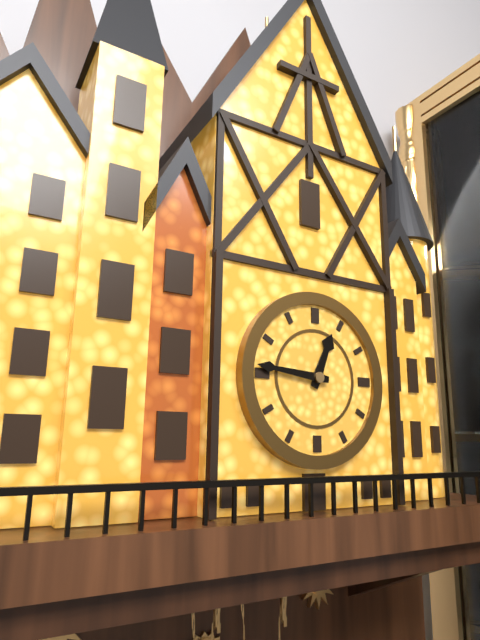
12:46
